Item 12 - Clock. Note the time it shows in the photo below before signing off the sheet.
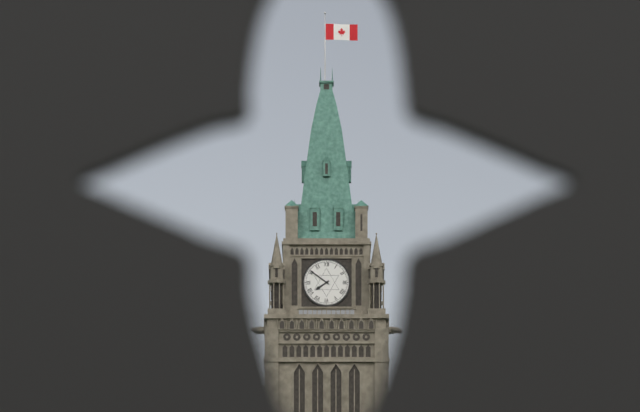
7:51
